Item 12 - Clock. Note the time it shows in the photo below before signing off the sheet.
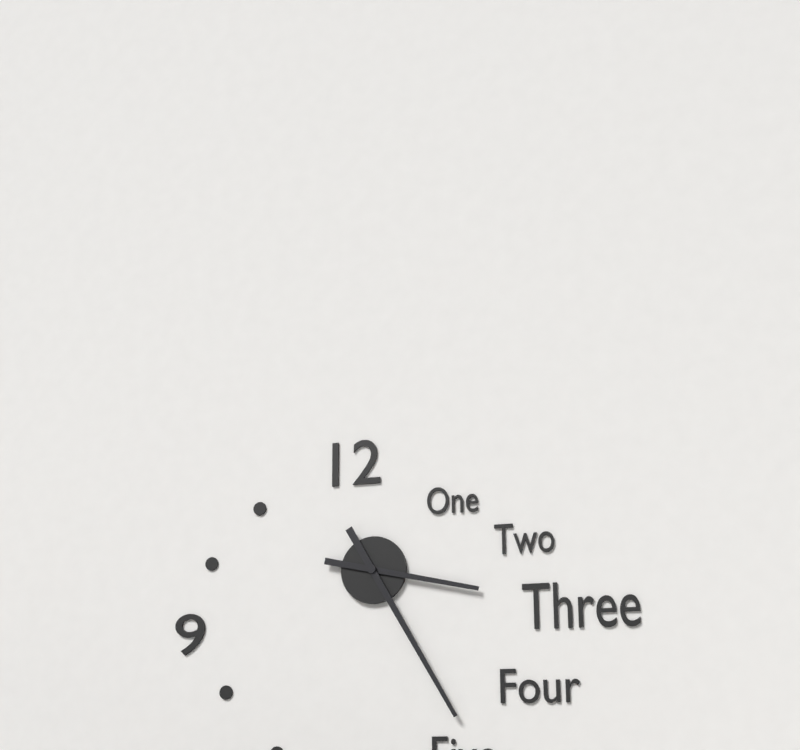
3:25
